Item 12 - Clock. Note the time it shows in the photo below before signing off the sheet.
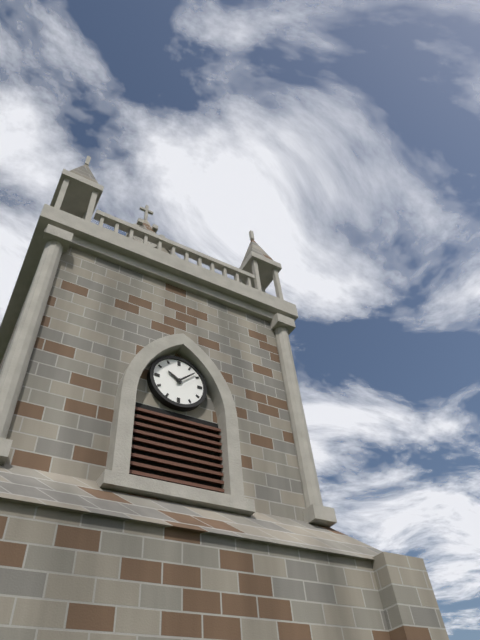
10:08
